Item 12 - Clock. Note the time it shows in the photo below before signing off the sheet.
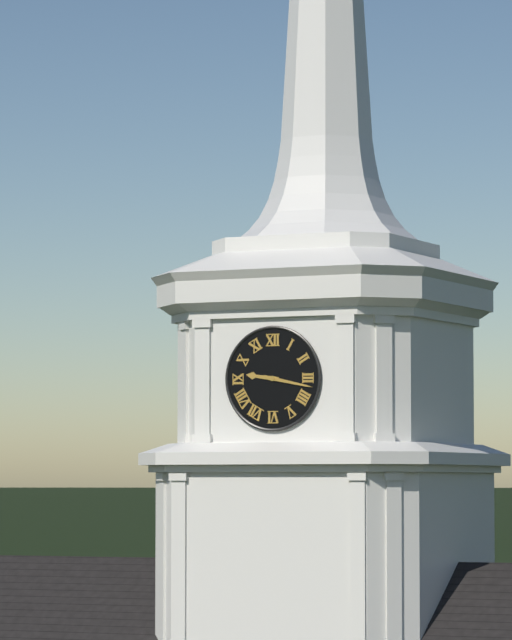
9:17
